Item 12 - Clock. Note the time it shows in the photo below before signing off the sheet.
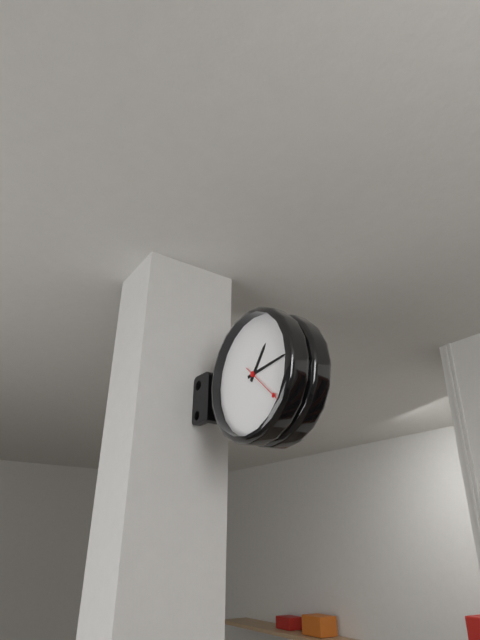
1:14
